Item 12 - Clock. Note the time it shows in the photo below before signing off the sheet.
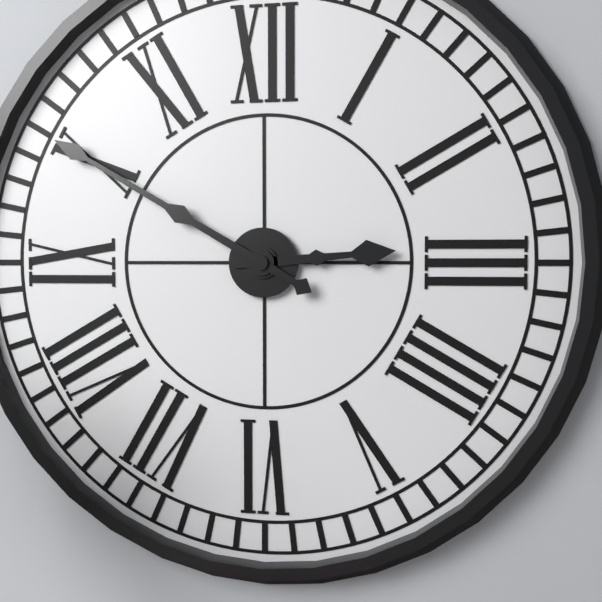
2:50
